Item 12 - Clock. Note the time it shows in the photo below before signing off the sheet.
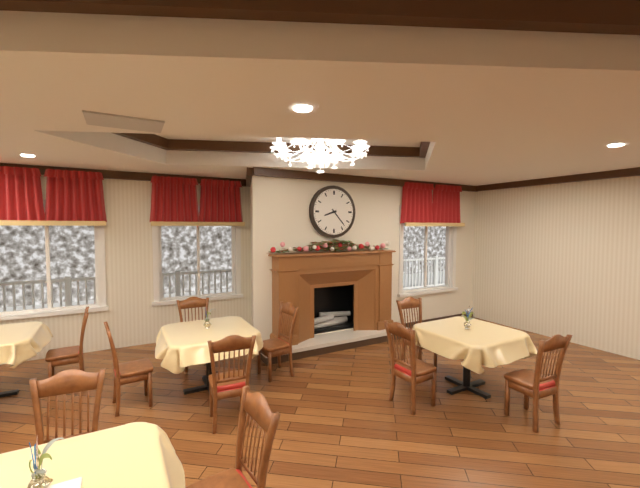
8:23
